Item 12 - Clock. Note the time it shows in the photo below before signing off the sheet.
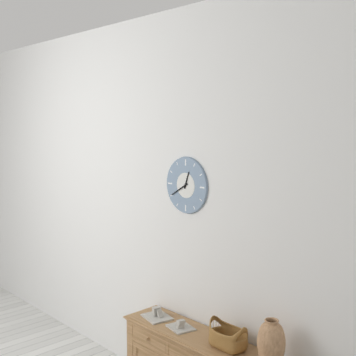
12:40
